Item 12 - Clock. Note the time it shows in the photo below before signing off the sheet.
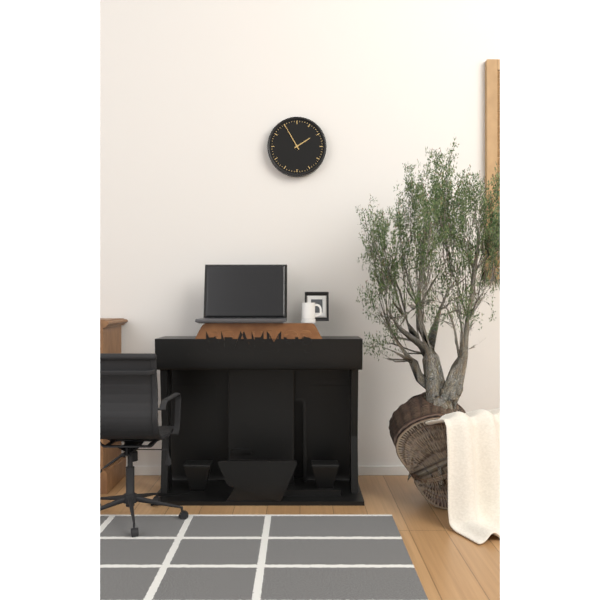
1:55
